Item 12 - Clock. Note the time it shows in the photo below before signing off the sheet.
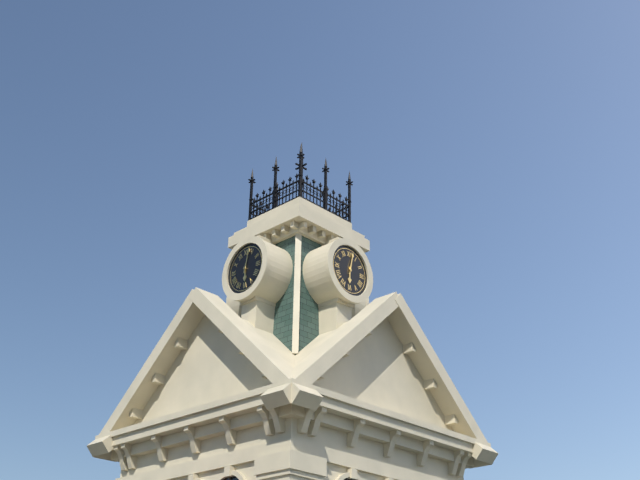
6:02
